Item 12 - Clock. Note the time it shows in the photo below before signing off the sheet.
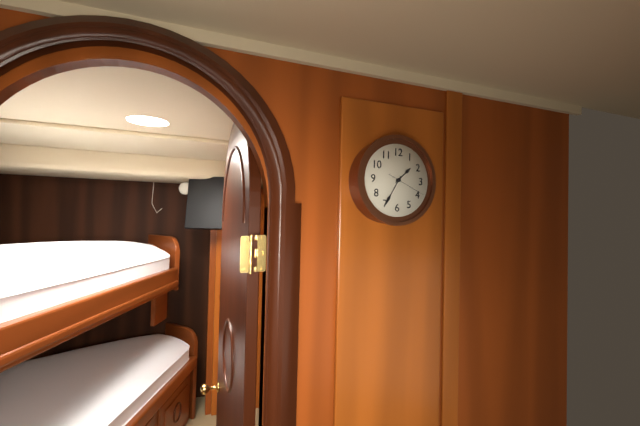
1:35
